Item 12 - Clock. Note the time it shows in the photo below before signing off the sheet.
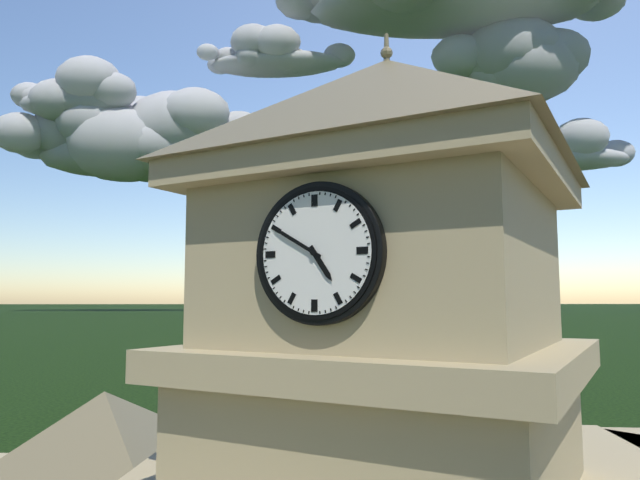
4:50
